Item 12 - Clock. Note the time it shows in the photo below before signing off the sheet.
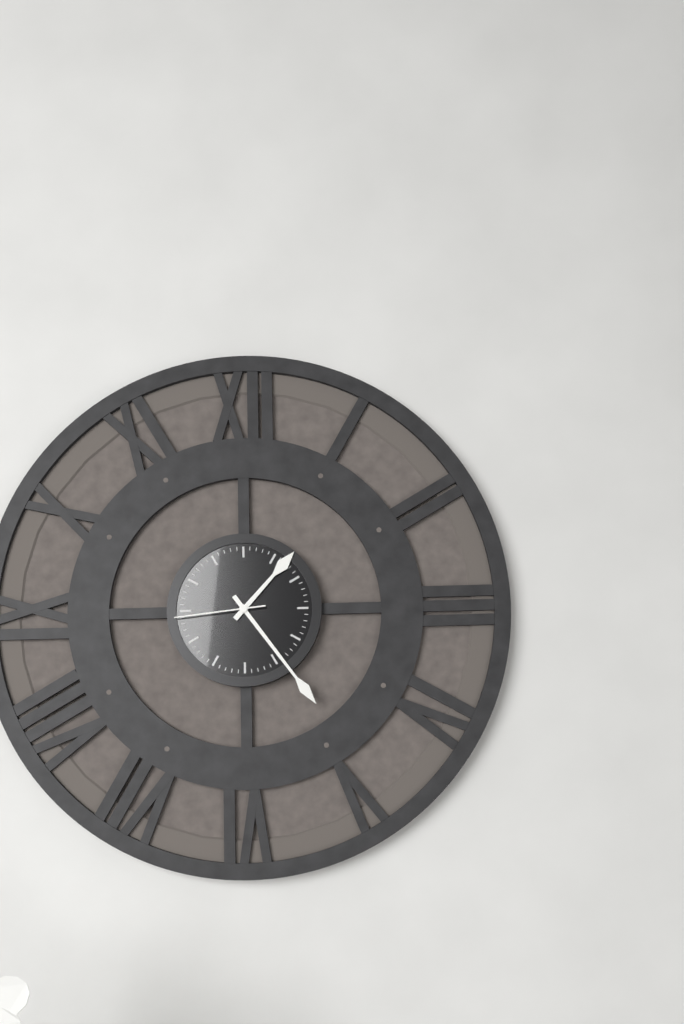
1:24:44
